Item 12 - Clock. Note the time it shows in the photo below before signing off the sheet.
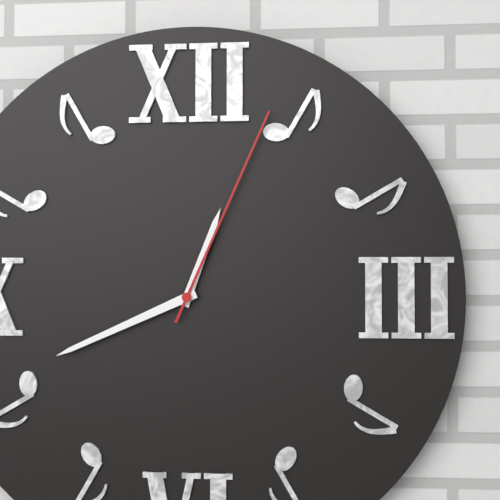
12:41:04
